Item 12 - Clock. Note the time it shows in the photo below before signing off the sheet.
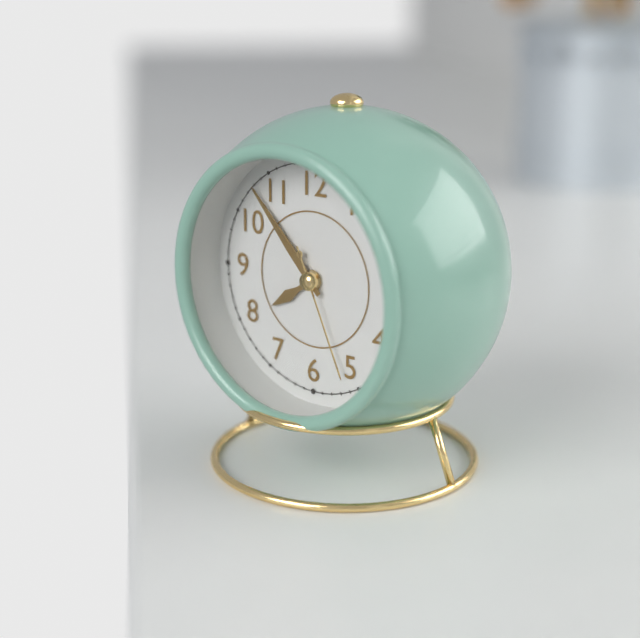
7:53:26
